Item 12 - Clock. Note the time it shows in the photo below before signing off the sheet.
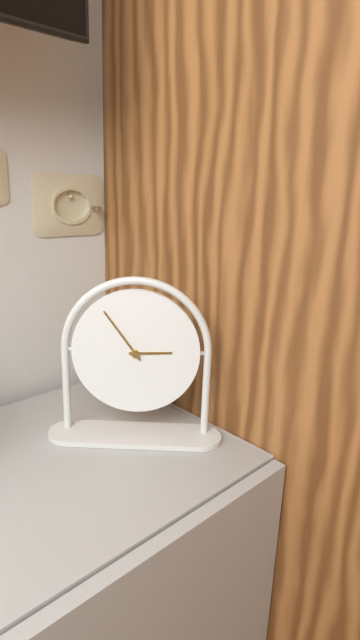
2:54
